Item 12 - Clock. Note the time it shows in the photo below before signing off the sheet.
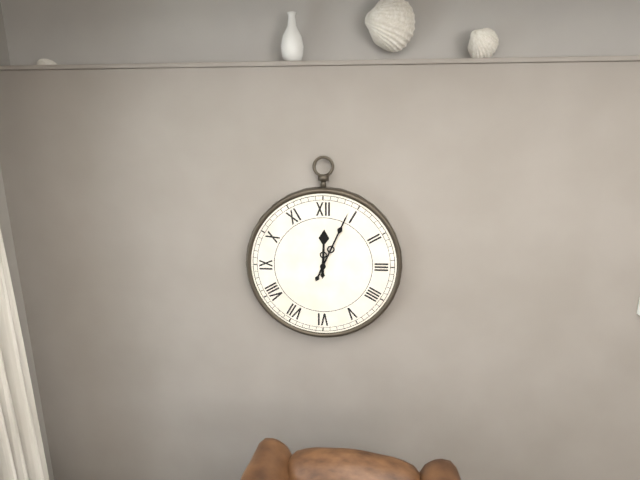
12:04
